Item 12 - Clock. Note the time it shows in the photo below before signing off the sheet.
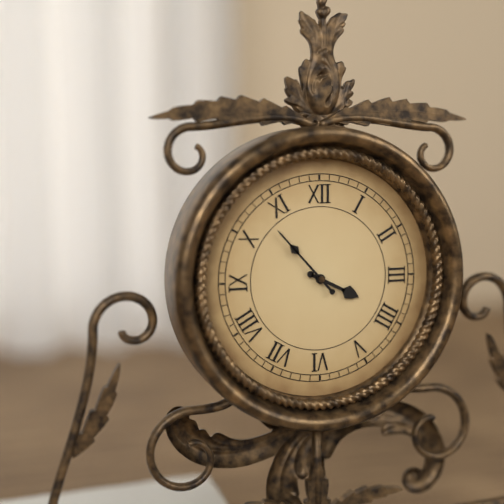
3:53
